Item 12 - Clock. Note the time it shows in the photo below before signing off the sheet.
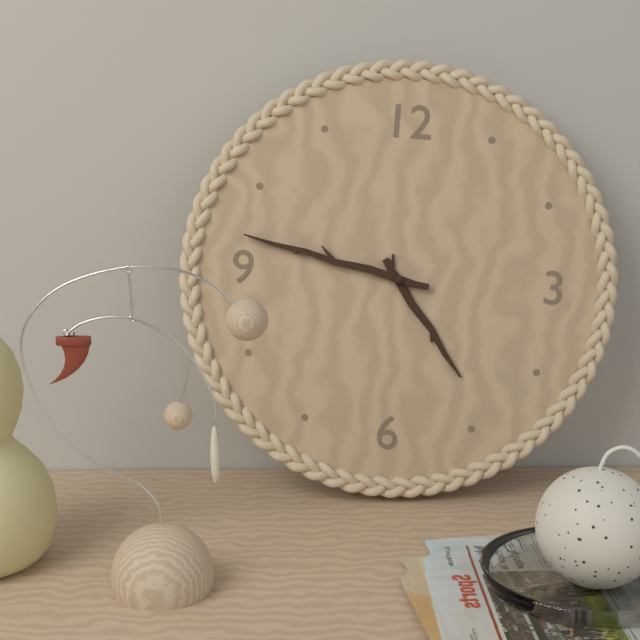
4:47
